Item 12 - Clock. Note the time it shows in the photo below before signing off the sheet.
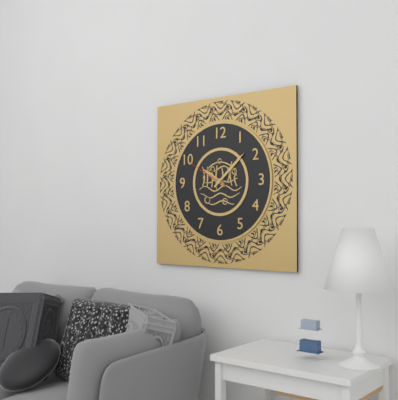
10:08
